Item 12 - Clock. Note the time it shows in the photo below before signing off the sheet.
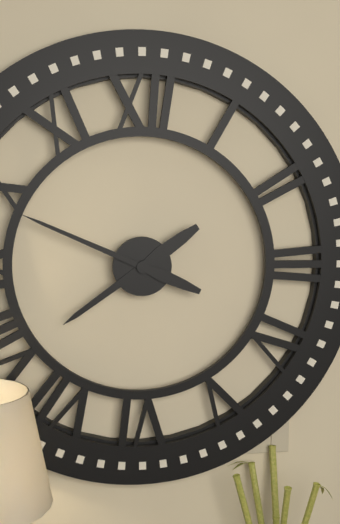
7:49
